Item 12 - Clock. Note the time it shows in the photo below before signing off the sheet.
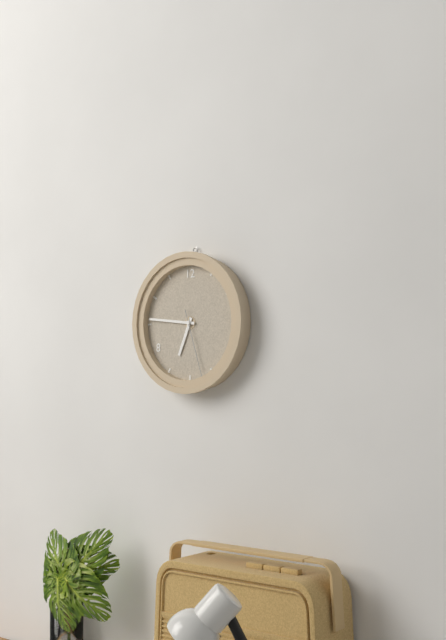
6:46:27
